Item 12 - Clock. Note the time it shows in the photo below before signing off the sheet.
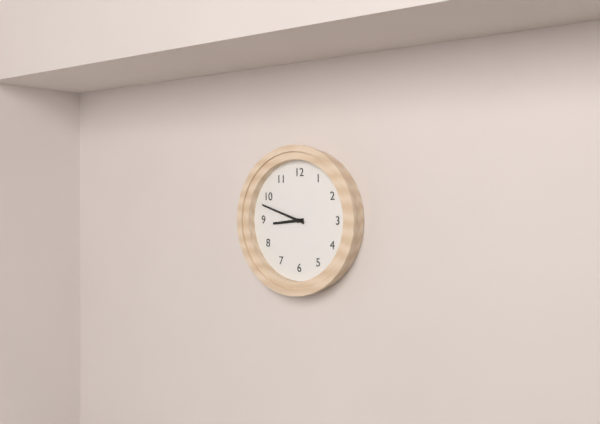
8:48
